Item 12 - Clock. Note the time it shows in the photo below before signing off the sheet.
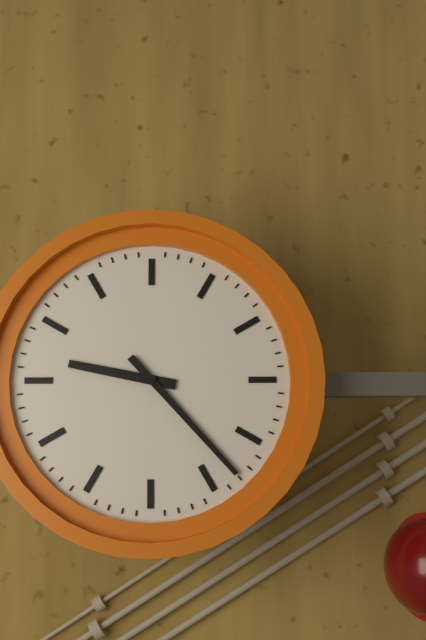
9:23
